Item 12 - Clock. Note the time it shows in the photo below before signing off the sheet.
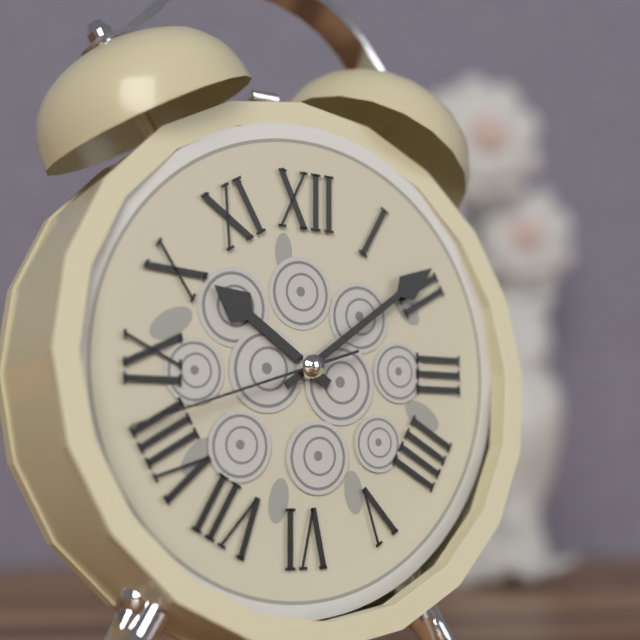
10:09:42
